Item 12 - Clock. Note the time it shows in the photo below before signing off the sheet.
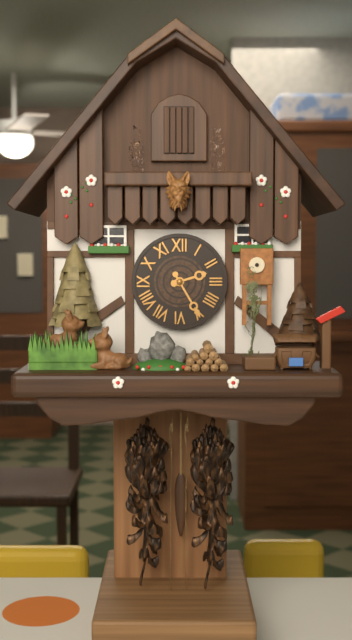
2:25
